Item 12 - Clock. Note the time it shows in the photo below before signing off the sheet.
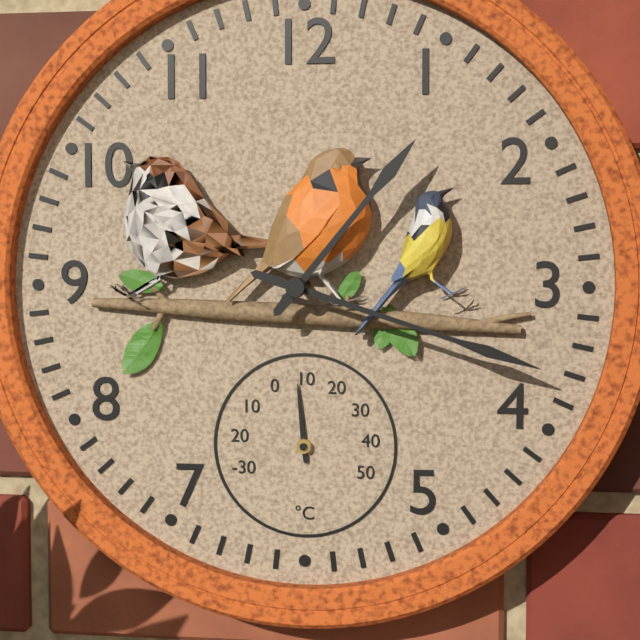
1:18
